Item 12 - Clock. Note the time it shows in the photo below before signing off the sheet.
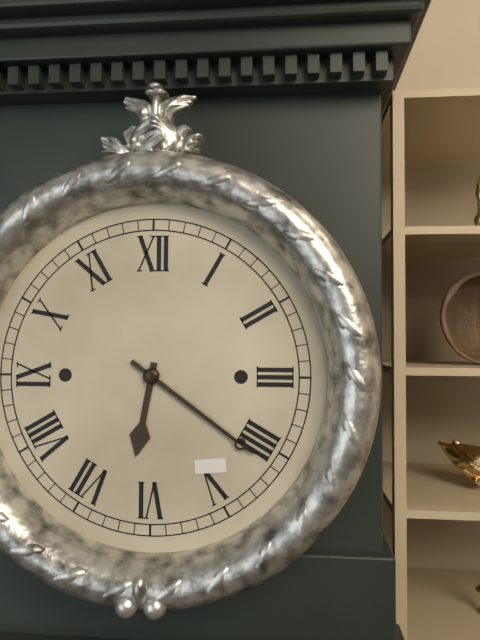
6:21
